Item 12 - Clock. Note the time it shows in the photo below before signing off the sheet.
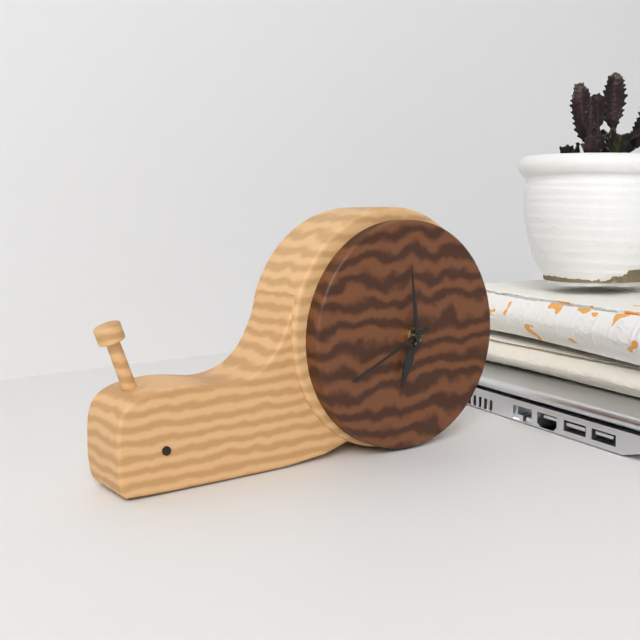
6:41:59
